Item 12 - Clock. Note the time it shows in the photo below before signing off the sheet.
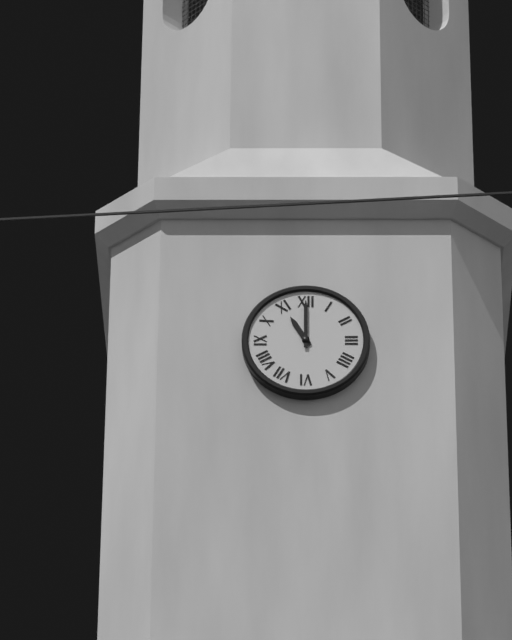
11:00
